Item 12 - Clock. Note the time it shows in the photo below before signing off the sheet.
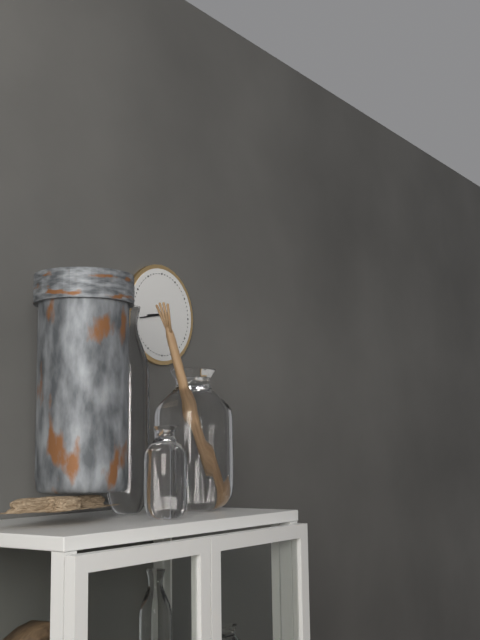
8:43
